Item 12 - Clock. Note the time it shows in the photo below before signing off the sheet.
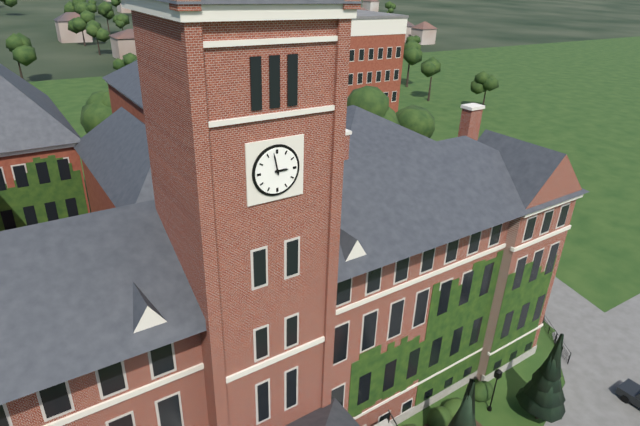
2:58
